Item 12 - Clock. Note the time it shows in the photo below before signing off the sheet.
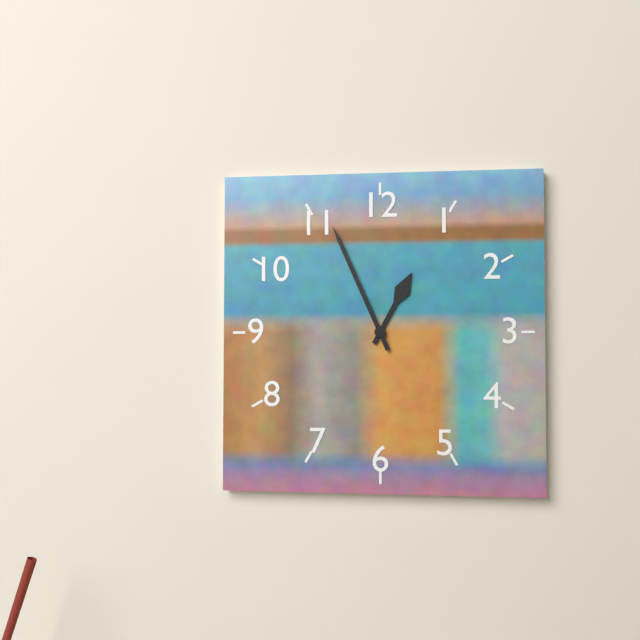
12:56
